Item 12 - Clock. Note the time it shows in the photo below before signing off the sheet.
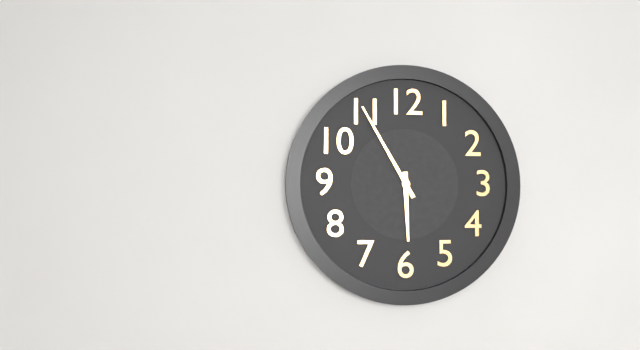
5:55
